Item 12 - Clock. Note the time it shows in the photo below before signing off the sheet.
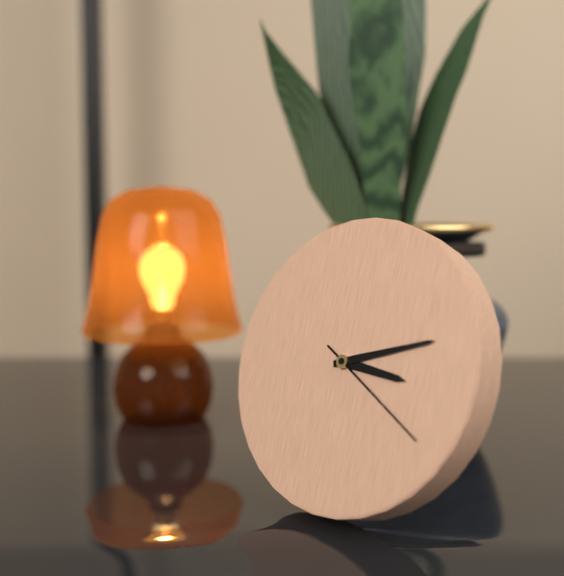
3:12:20
